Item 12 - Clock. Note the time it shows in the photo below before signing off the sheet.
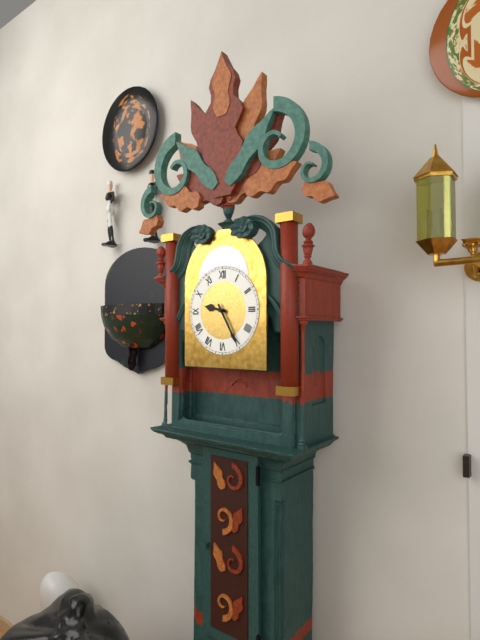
9:25
